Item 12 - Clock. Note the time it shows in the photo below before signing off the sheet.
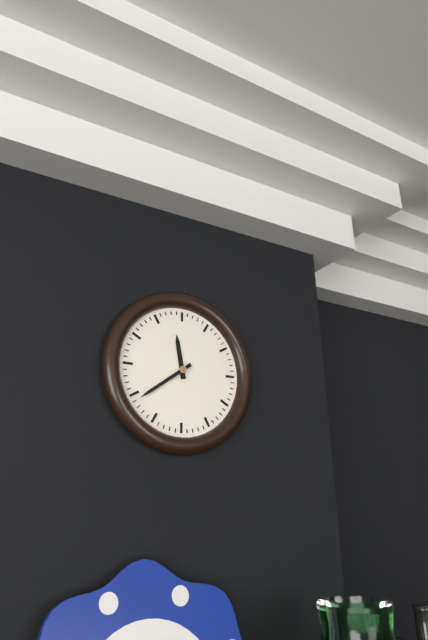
11:39
